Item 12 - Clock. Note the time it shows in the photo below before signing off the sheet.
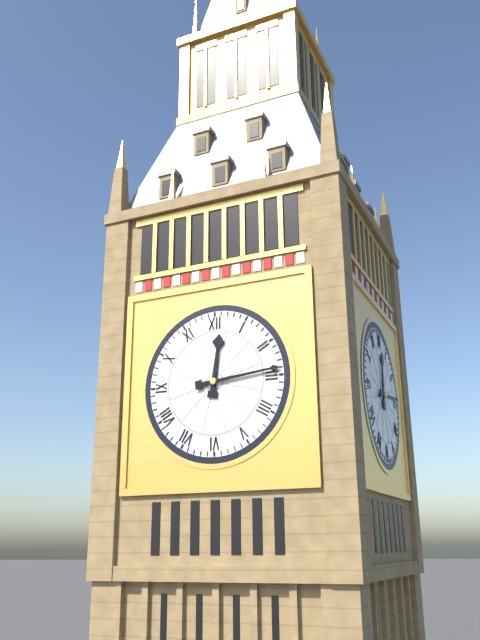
12:14
